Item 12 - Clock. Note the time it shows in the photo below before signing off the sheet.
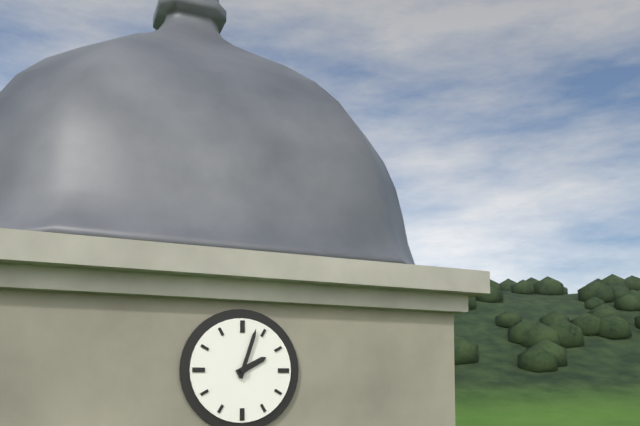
2:03
